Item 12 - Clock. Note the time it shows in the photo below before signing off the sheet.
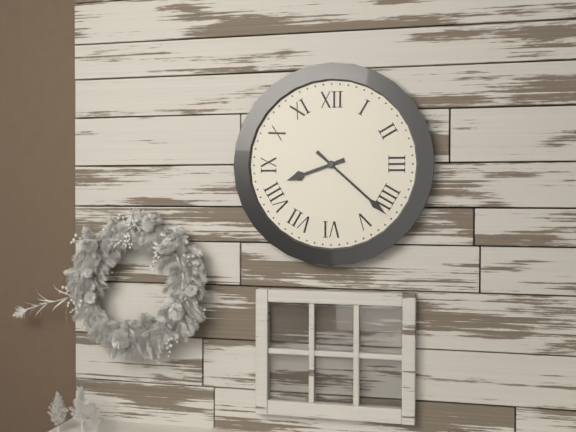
8:22
